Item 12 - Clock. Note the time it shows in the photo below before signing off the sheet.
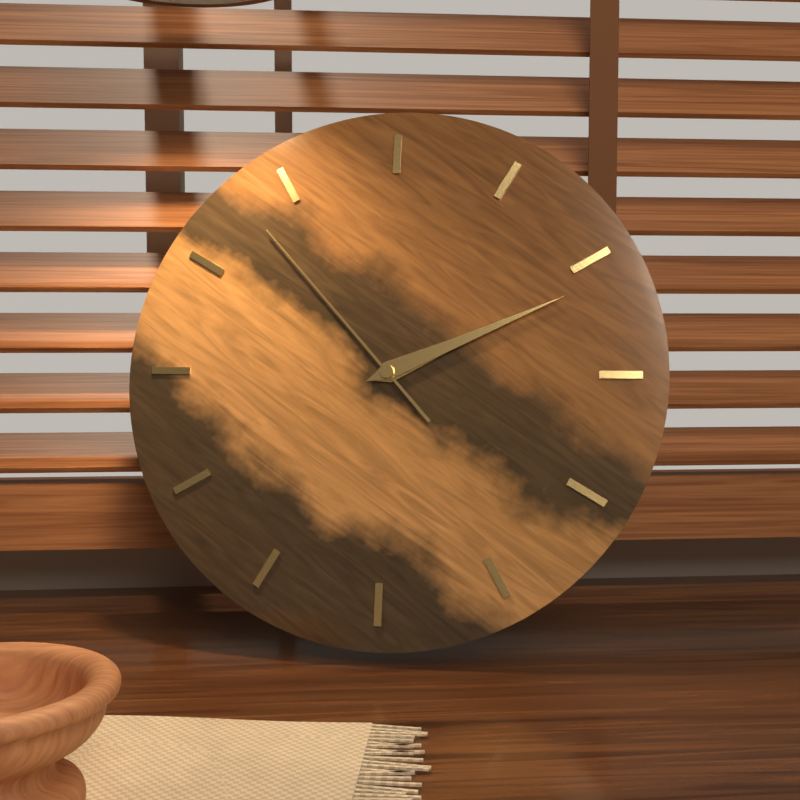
2:11:53
